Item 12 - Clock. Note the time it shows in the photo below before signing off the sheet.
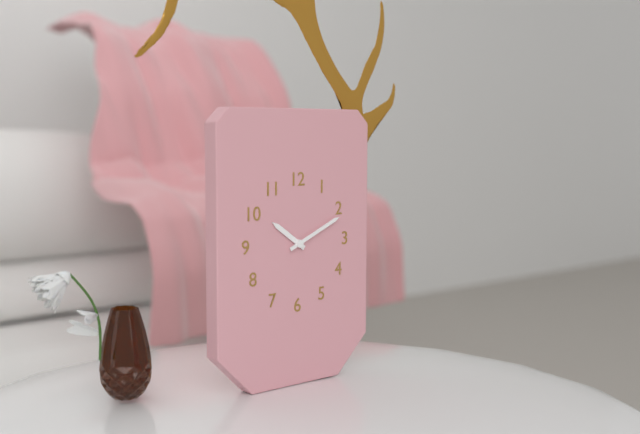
10:11
